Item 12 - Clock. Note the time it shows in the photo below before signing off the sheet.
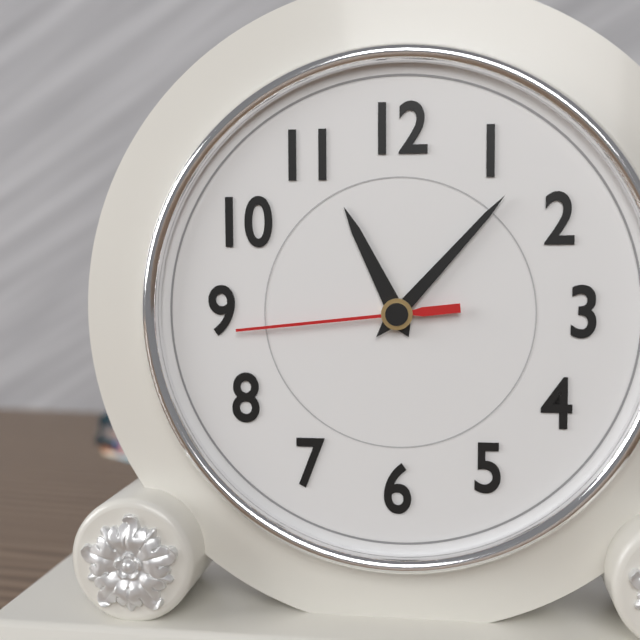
11:07:44
